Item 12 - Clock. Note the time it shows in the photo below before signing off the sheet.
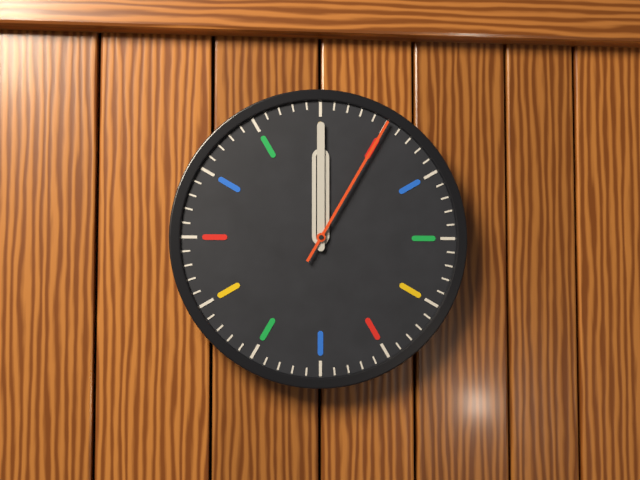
12:00:05
